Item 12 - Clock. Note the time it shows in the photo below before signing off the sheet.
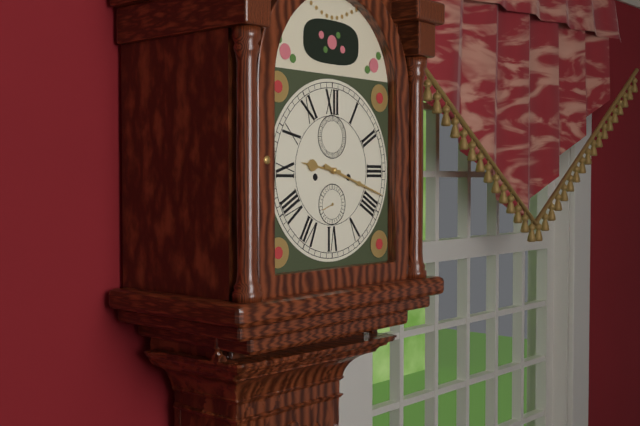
9:18
